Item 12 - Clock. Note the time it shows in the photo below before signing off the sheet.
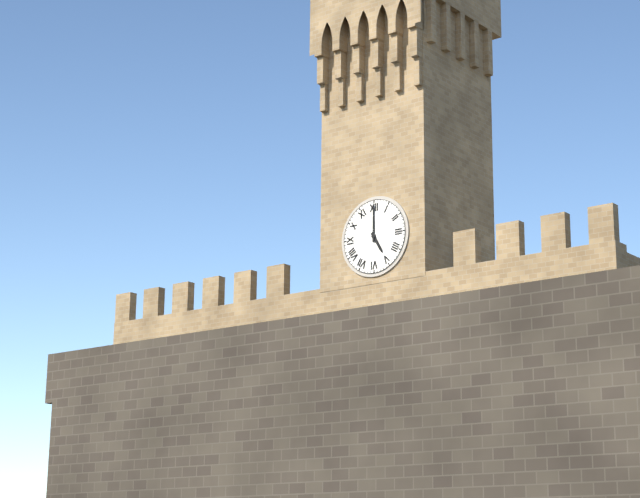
5:00
